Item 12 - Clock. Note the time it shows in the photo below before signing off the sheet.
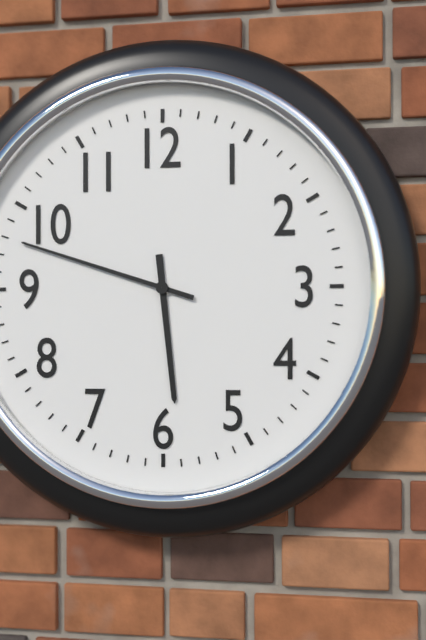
5:48
